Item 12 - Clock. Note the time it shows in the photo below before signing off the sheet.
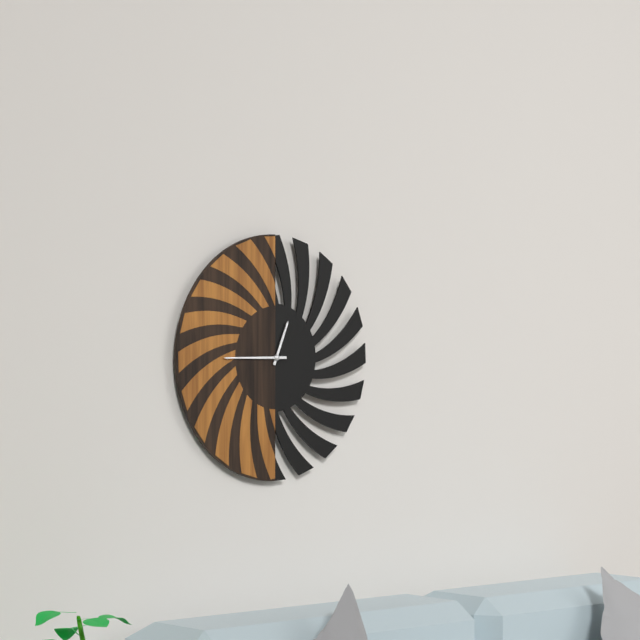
12:45
